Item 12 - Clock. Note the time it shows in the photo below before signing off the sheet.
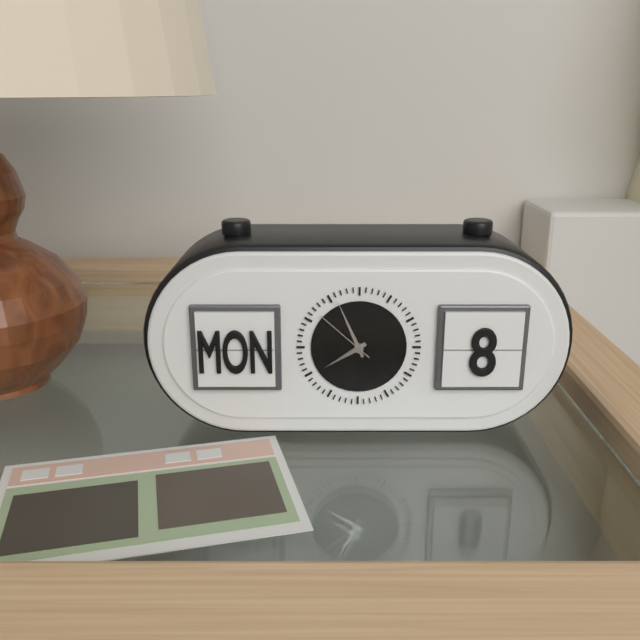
7:56:52
